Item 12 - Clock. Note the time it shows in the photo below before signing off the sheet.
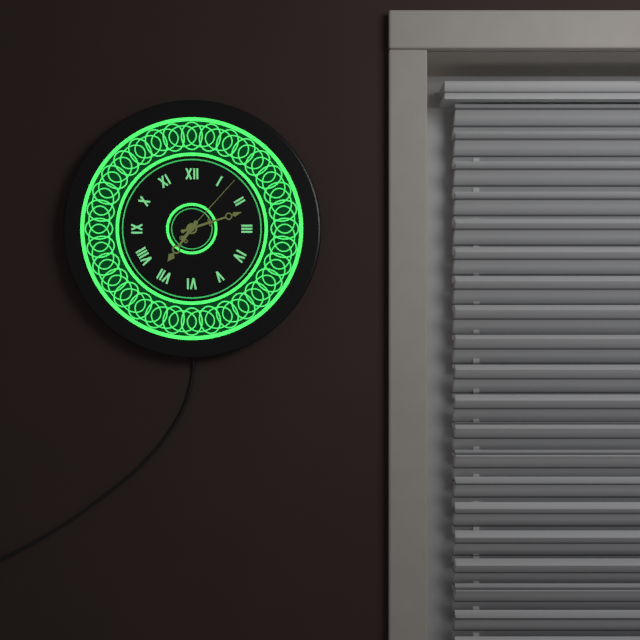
7:12:07
